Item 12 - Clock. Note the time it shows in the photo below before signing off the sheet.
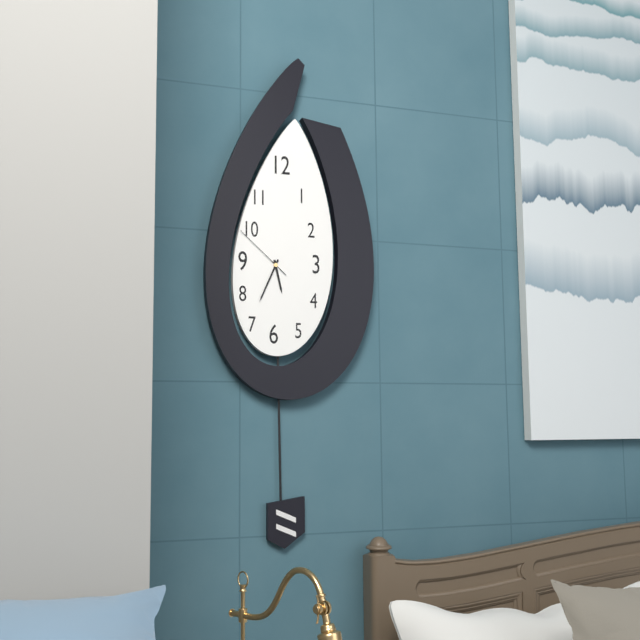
5:34:52
